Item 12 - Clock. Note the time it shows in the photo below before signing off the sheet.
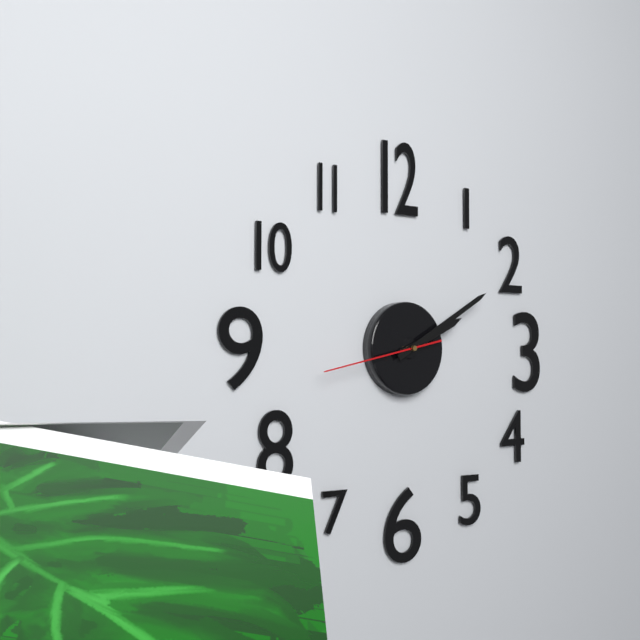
2:10:43
